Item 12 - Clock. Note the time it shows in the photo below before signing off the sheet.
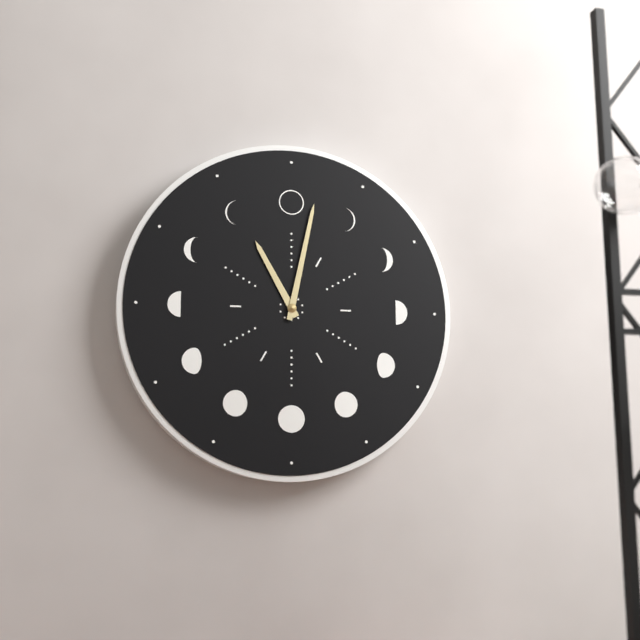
11:02
